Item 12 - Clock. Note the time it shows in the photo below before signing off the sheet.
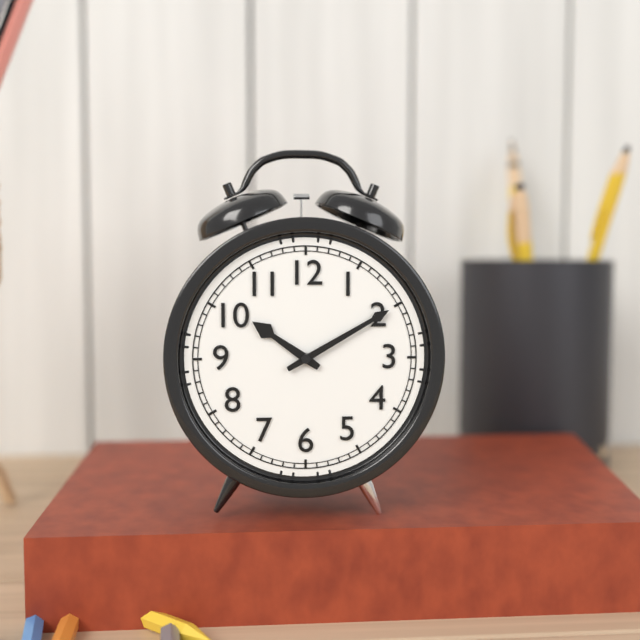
10:10
